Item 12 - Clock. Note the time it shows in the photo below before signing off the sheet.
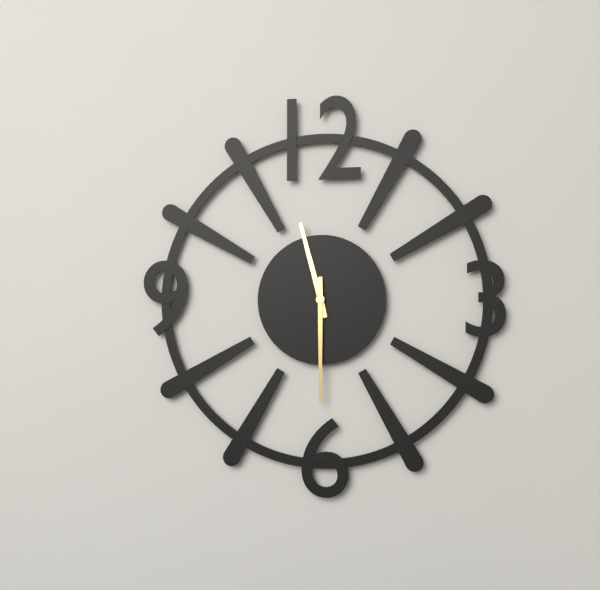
11:30
